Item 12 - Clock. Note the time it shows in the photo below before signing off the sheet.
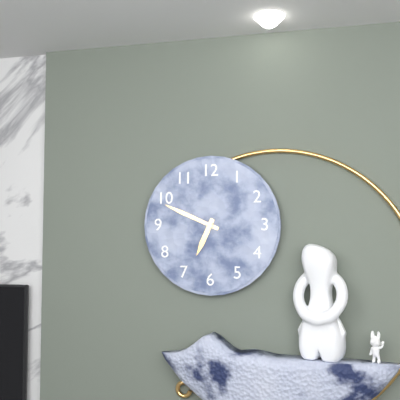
6:49
